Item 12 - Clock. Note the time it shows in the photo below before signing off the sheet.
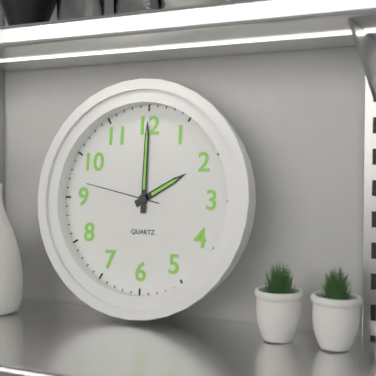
2:00:47
